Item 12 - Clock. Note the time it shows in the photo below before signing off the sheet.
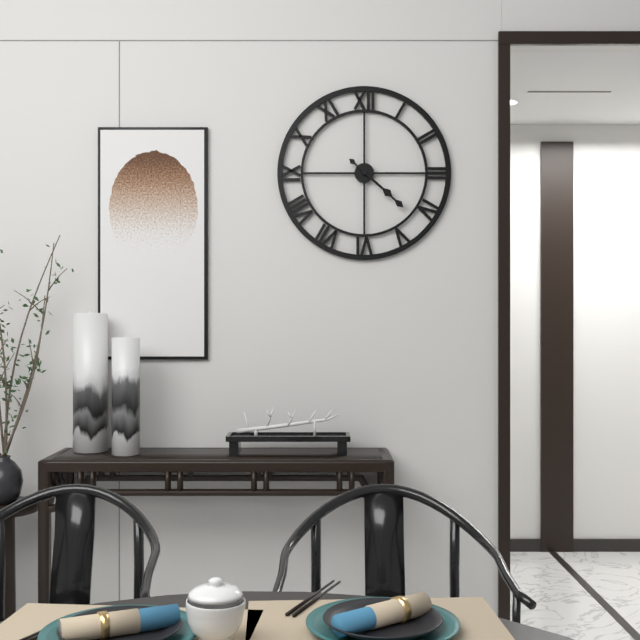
4:22
